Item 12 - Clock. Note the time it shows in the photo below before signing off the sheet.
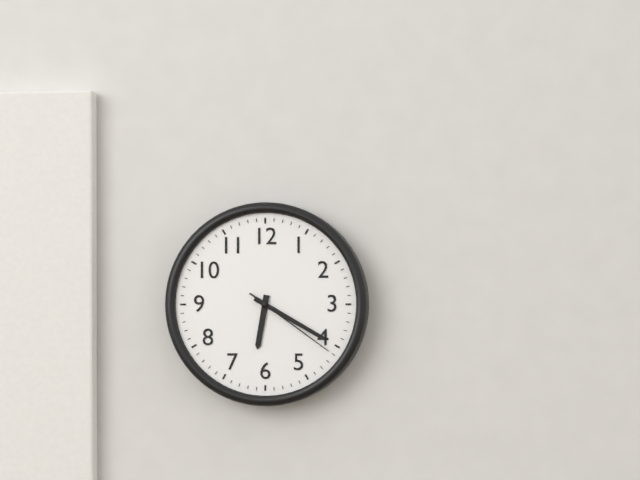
6:20:21
